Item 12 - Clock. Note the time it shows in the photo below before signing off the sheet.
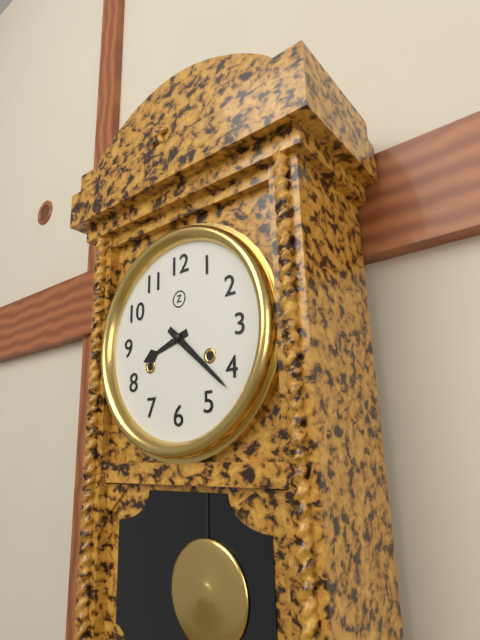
8:22
